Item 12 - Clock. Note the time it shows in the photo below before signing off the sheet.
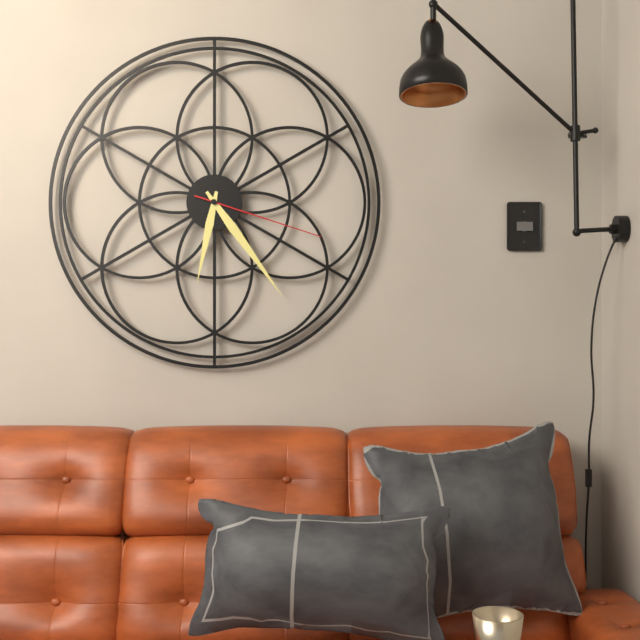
6:24:18
